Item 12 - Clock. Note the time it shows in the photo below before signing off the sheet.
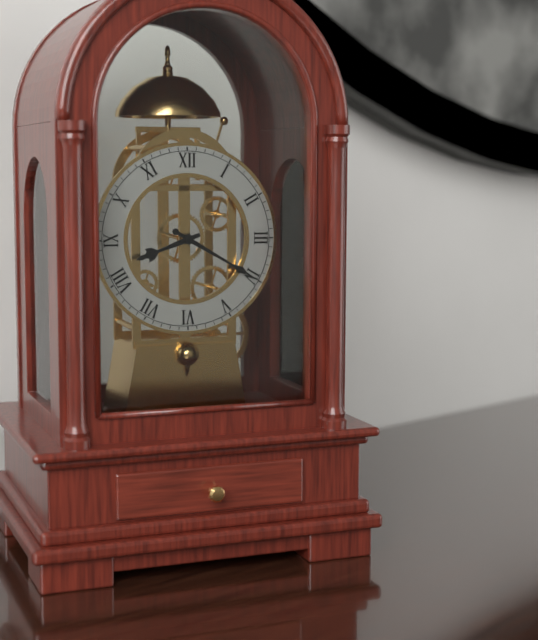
8:20
